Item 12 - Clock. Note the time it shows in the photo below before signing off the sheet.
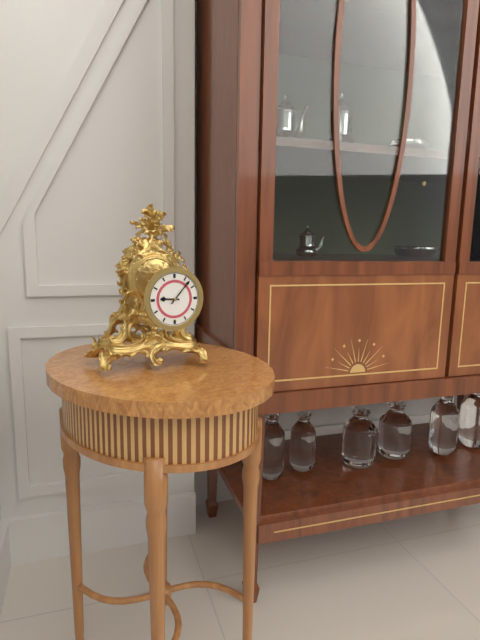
9:07
